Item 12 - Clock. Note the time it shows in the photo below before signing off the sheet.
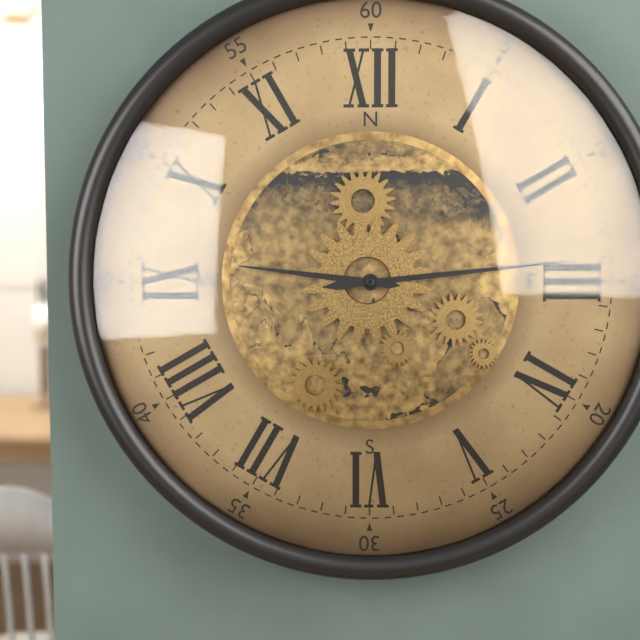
9:14
